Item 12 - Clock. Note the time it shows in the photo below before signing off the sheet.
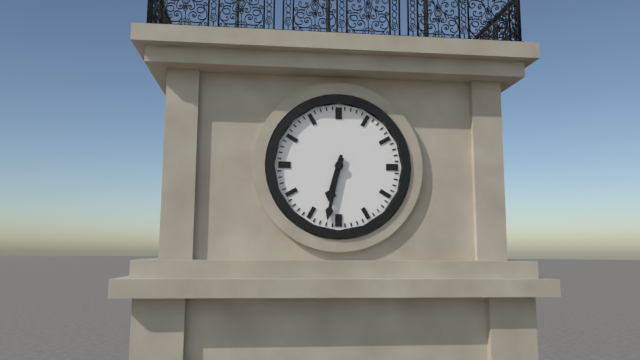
6:32
